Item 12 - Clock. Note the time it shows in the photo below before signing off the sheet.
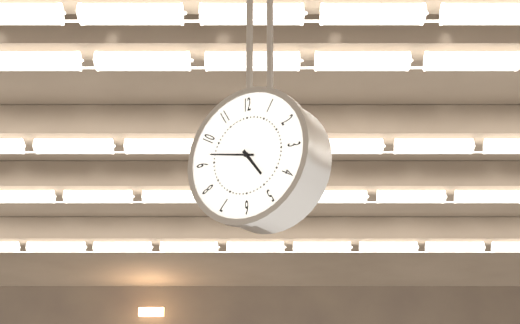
4:47
